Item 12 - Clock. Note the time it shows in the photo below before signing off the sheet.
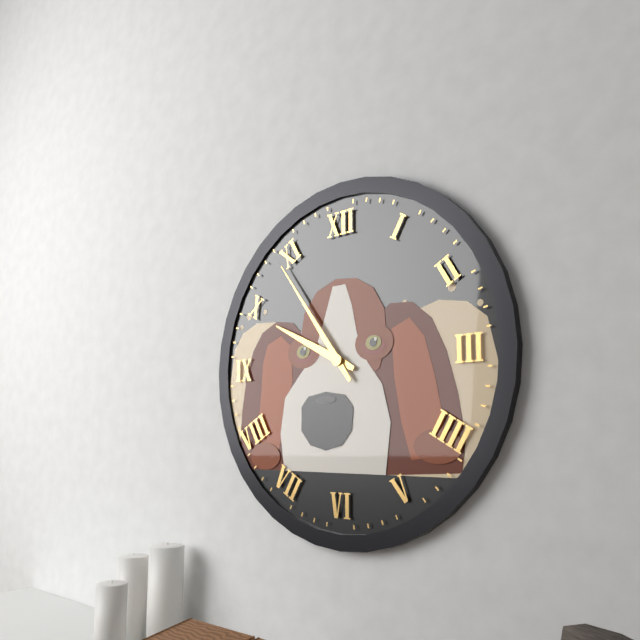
9:54
